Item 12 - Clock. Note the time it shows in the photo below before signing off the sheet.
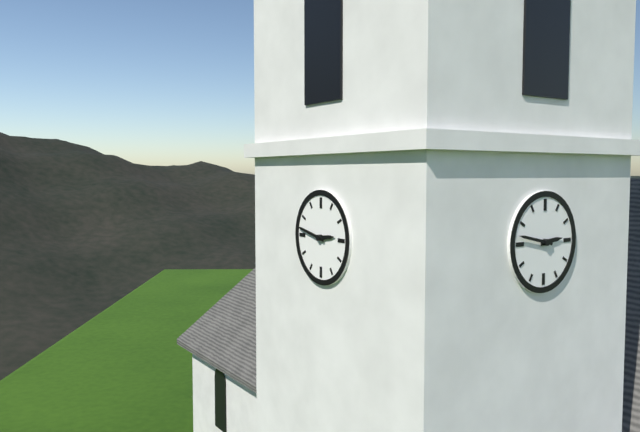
2:47
